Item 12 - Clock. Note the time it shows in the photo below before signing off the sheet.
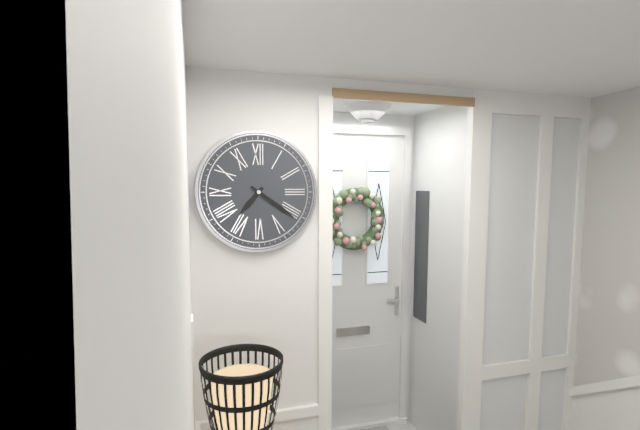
7:21
